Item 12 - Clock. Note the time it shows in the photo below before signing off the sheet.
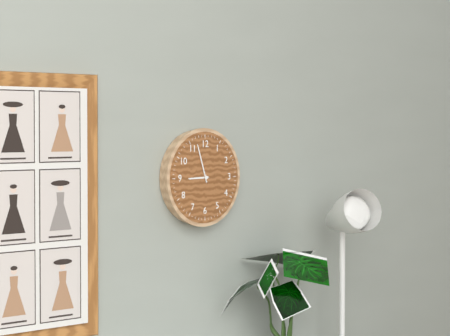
8:57
